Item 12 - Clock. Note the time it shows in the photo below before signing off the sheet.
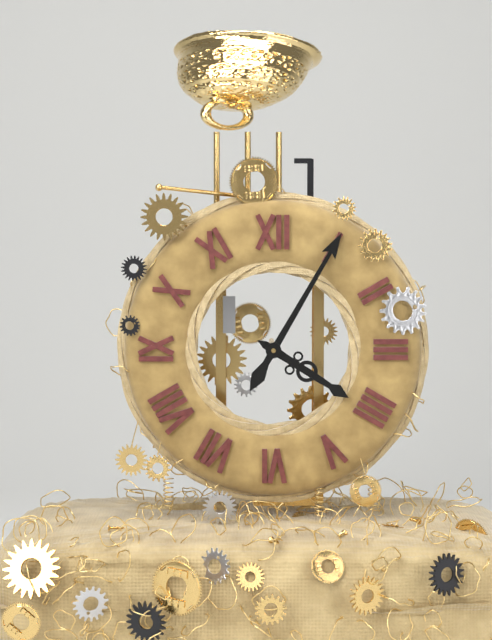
4:05
